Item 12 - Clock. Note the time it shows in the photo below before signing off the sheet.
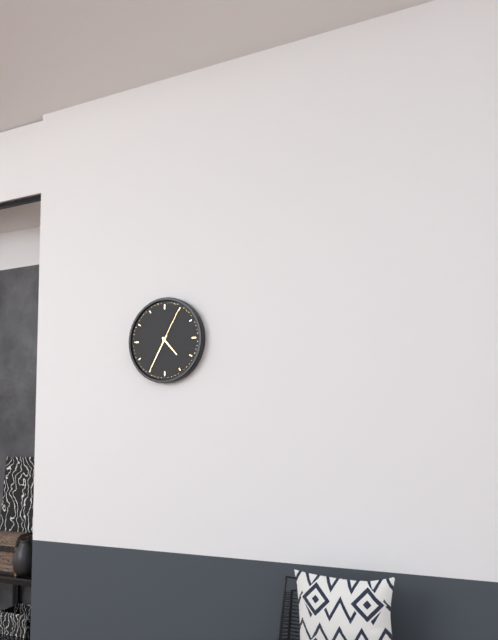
4:35
